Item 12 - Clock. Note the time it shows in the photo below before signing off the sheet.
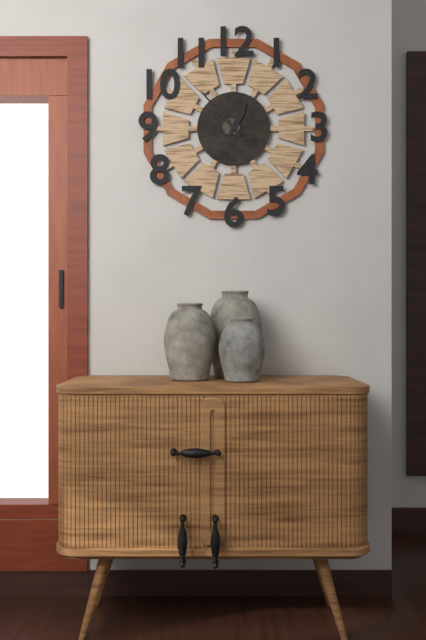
12:53
